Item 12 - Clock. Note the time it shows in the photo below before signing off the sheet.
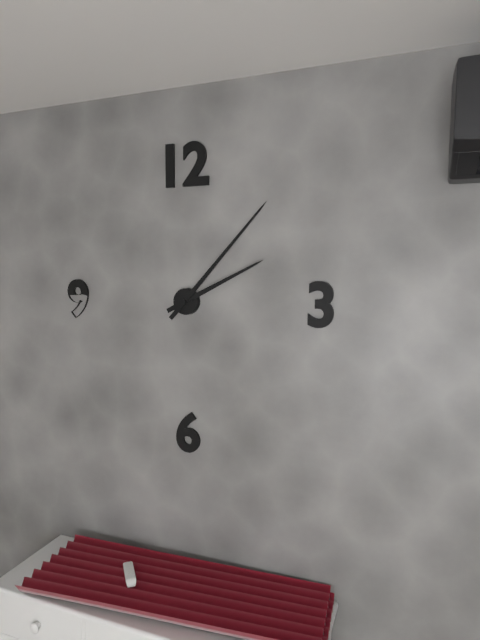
2:07
